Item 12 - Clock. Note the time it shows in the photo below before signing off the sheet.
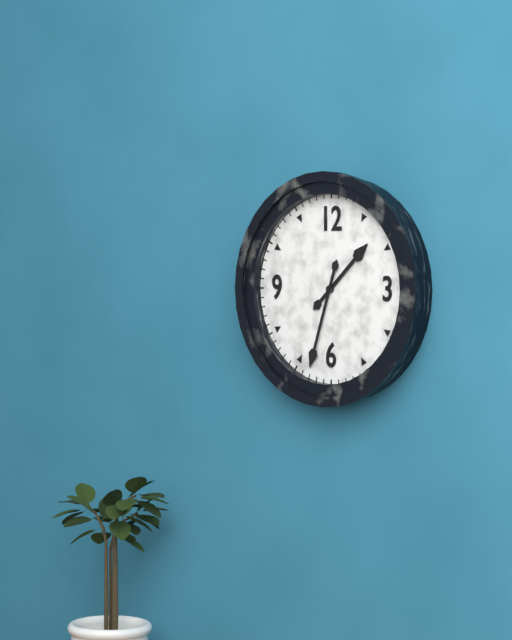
1:33
